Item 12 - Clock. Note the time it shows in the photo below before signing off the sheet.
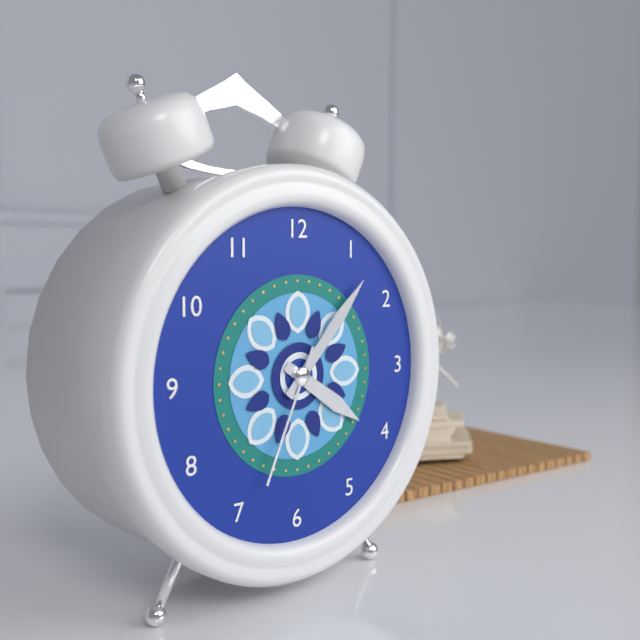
4:07:34
